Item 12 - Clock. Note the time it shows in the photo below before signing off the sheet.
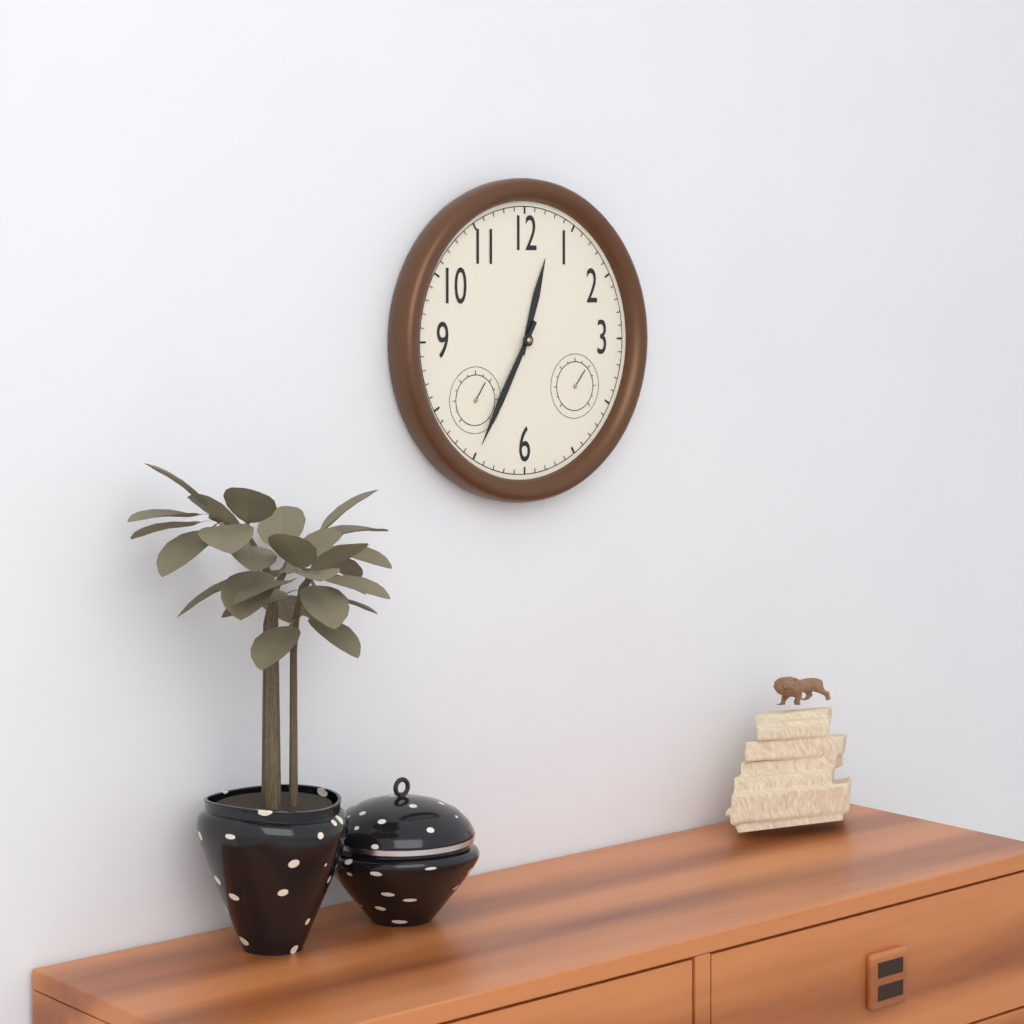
12:35
